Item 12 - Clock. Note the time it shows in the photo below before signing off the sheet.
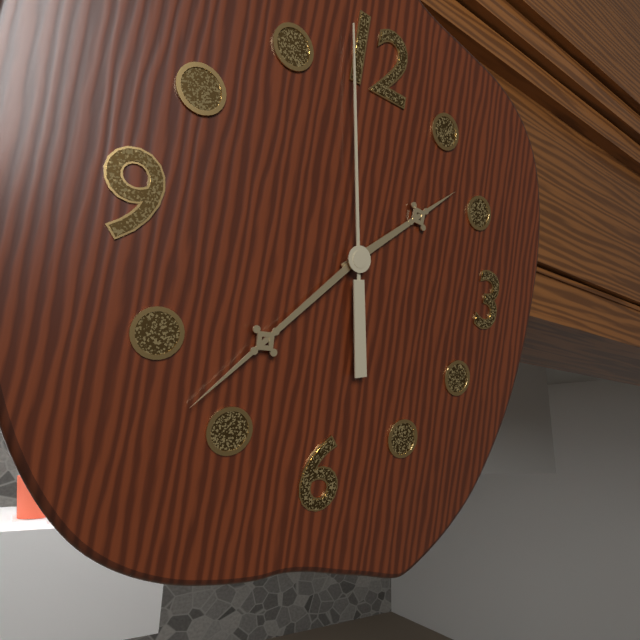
1:37:58
